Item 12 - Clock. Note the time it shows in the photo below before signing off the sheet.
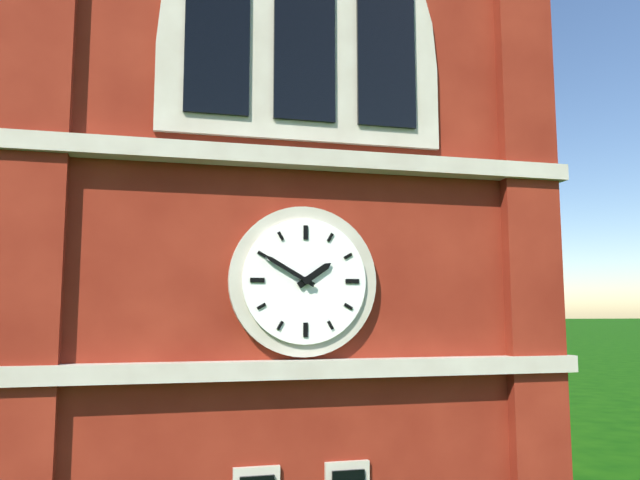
1:50
